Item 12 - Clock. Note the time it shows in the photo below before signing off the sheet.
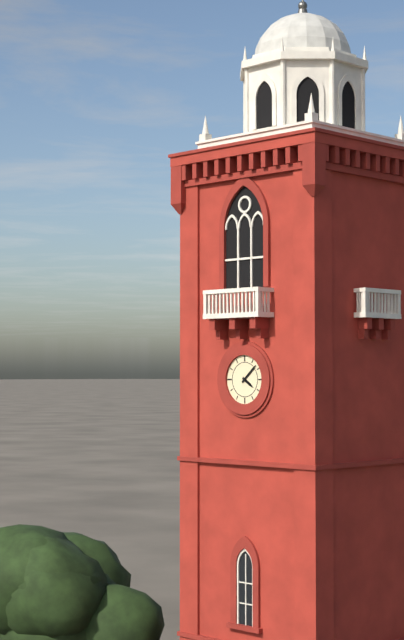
4:08
